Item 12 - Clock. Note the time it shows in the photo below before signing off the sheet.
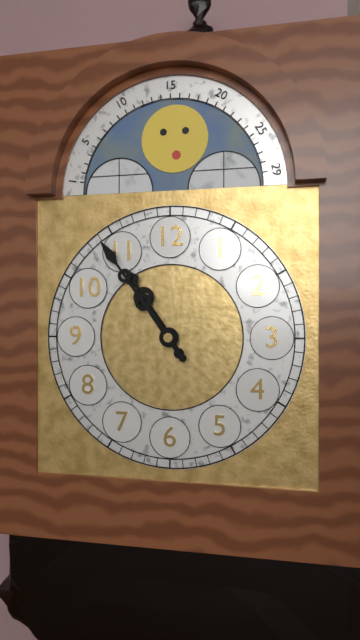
10:54
